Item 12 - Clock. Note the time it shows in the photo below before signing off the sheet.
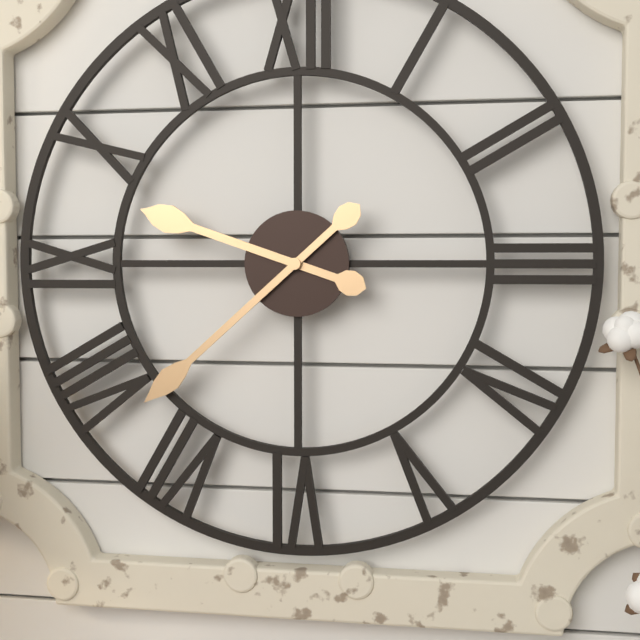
9:38
